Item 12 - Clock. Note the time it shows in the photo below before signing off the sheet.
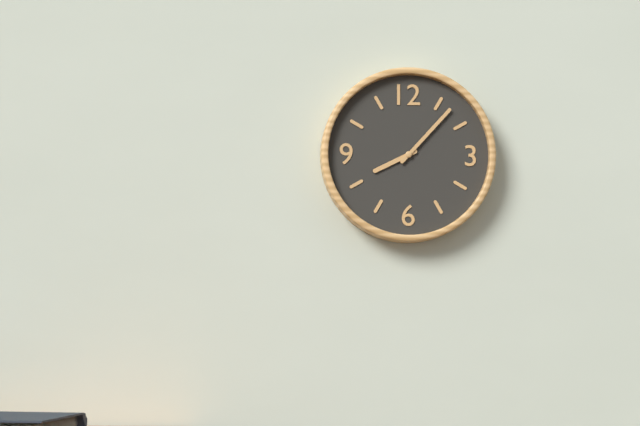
8:07
